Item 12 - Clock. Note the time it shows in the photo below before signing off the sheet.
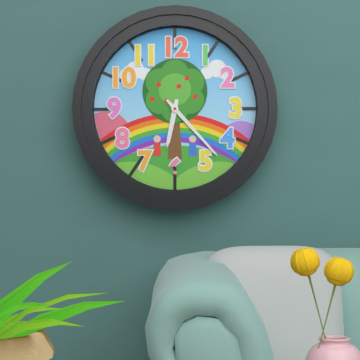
6:23
